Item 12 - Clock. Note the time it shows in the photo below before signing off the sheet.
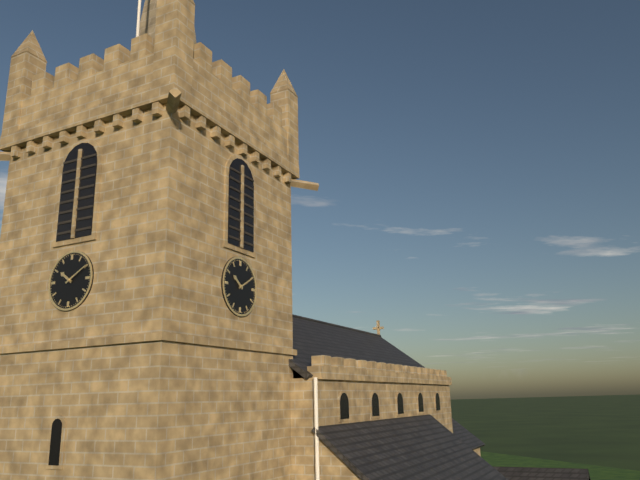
10:10
